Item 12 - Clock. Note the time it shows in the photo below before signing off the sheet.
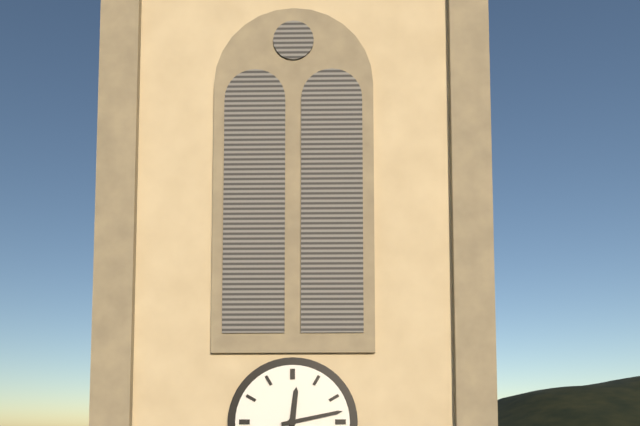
12:13
